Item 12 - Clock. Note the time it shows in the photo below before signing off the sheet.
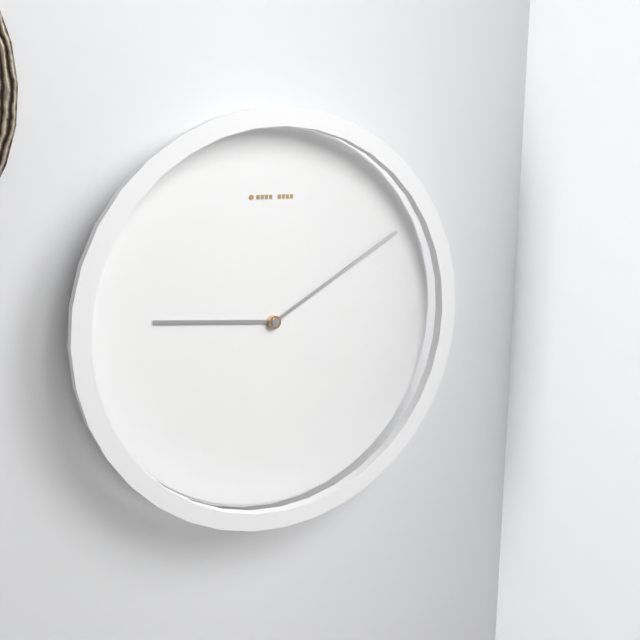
9:10
